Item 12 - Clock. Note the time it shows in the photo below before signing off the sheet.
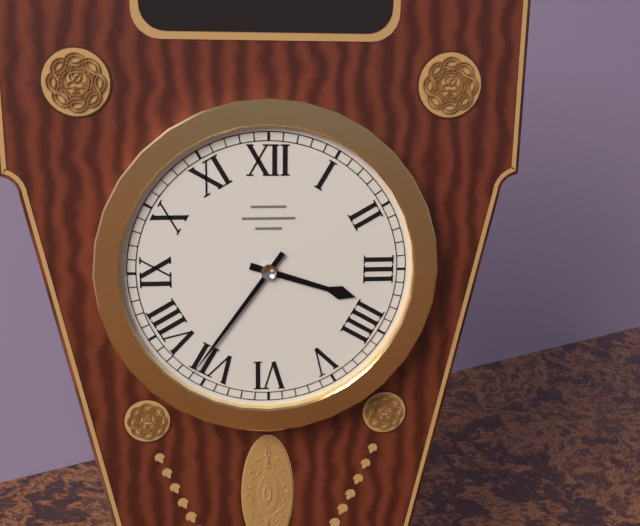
3:36
